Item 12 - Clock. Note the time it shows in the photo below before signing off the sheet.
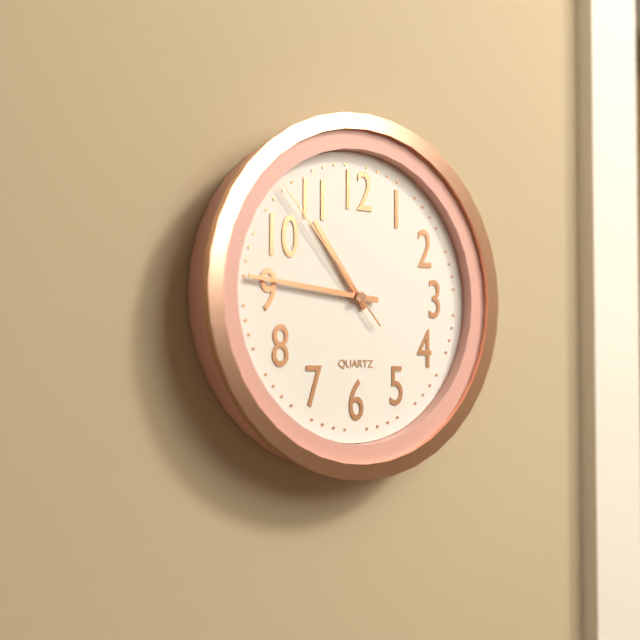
10:46:53
